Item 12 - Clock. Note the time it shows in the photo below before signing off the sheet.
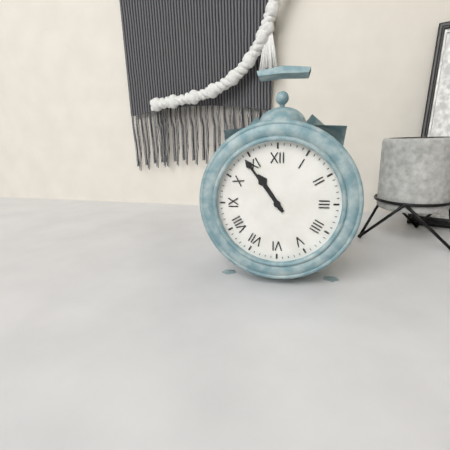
10:54
